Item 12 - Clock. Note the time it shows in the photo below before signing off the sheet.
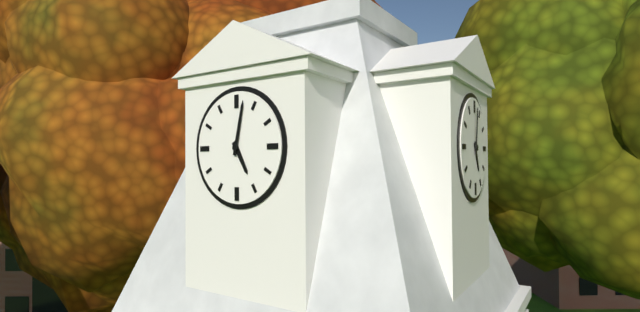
5:02
